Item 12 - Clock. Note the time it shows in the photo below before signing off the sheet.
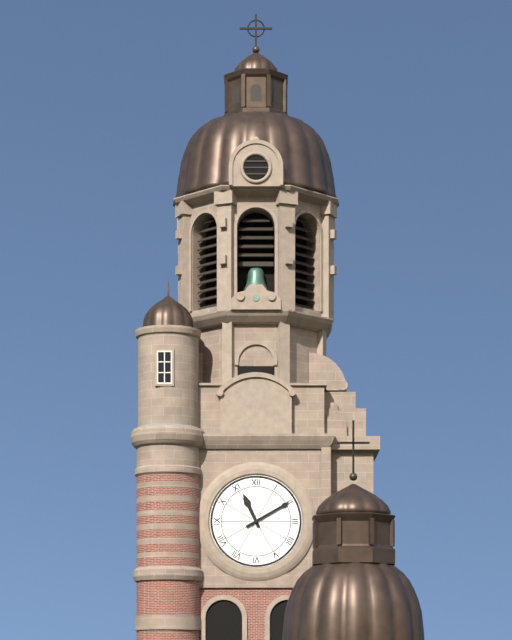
11:10
